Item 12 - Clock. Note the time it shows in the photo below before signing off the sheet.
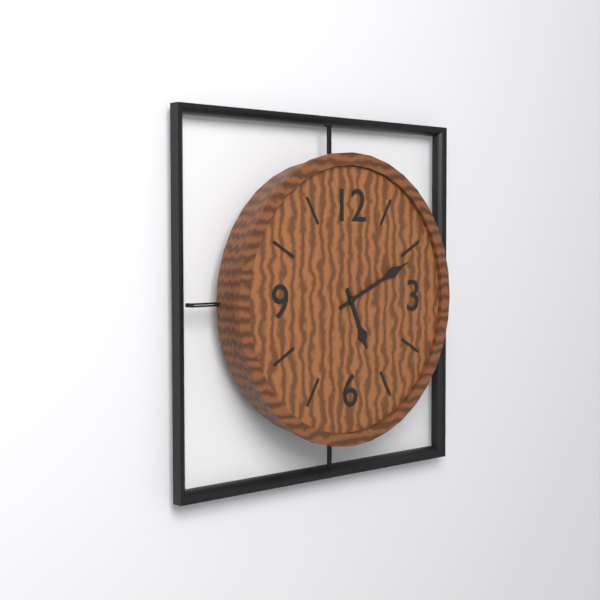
5:11
